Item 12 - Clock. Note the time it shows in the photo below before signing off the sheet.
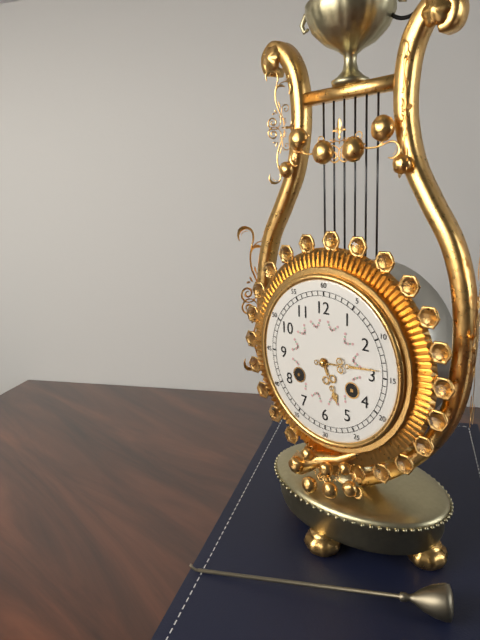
5:14
